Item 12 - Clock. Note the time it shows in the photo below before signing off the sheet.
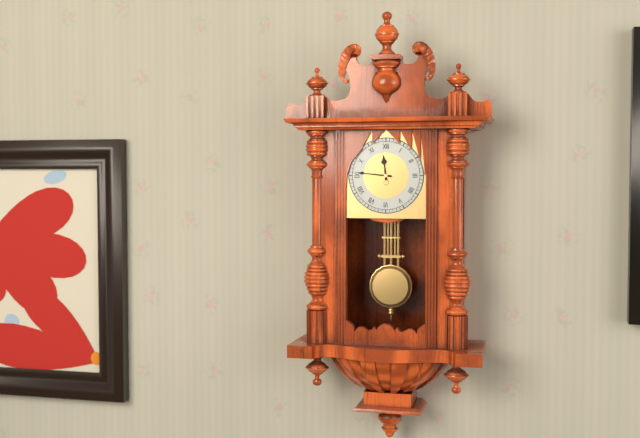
11:46
